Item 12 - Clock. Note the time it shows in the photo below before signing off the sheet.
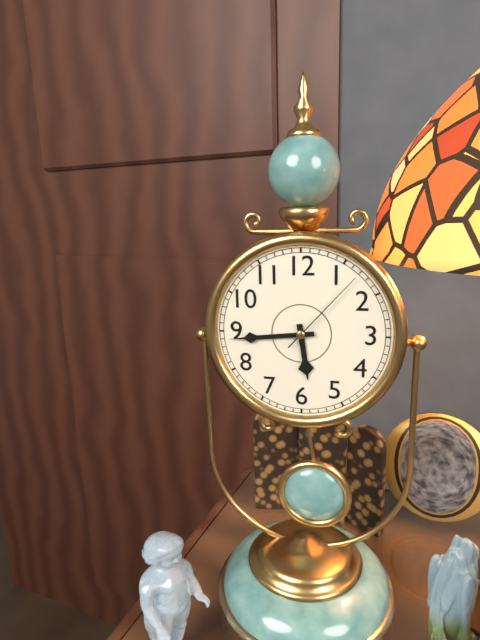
5:44:07
